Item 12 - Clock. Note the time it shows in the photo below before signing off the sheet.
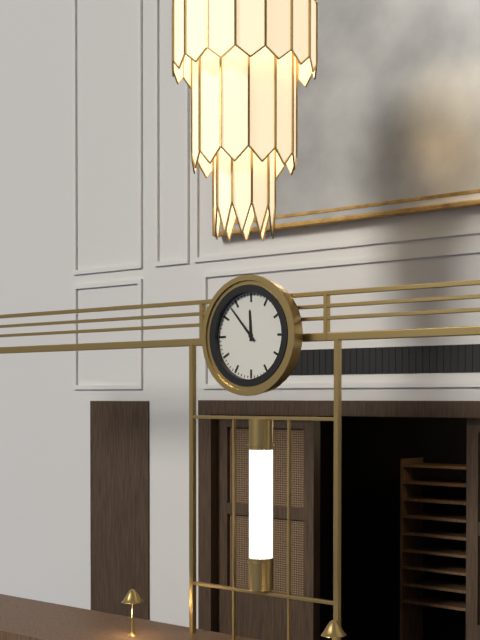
11:53
